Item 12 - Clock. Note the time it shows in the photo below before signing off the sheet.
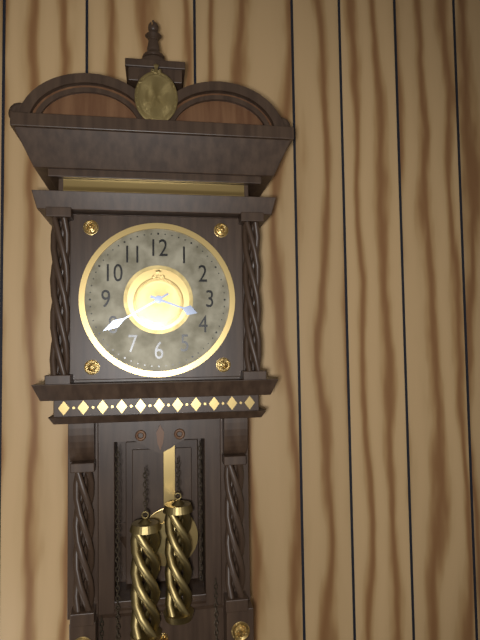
3:40
